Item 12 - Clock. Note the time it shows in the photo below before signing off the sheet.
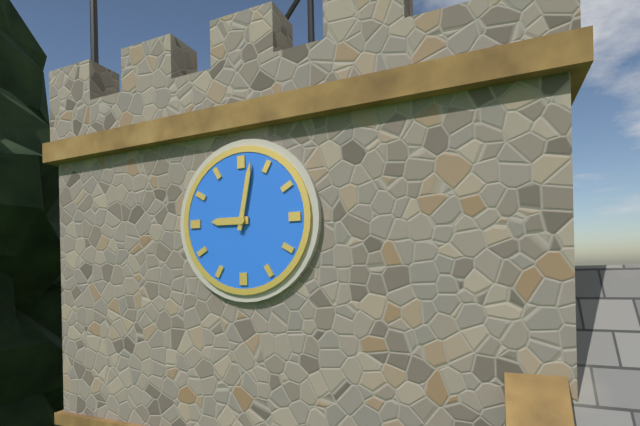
9:02
